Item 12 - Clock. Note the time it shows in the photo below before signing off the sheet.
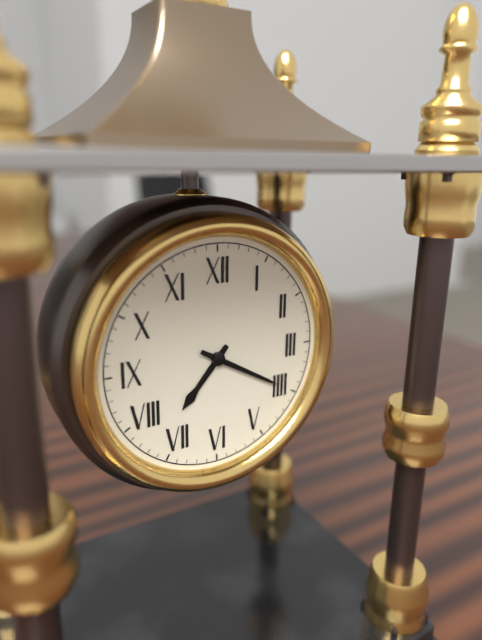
7:20
